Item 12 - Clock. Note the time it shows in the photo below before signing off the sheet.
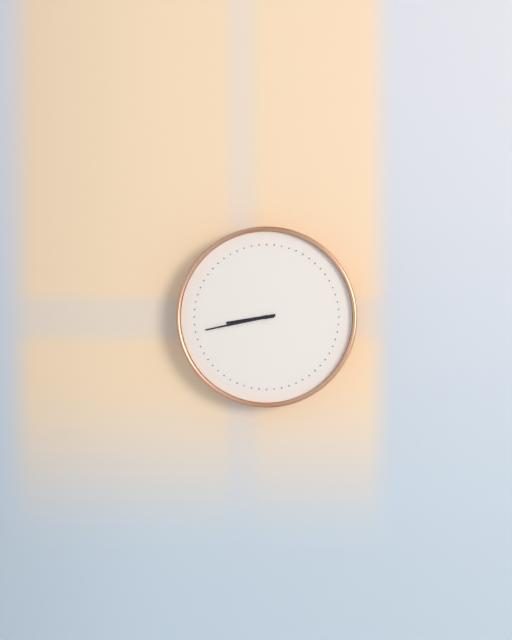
8:43
